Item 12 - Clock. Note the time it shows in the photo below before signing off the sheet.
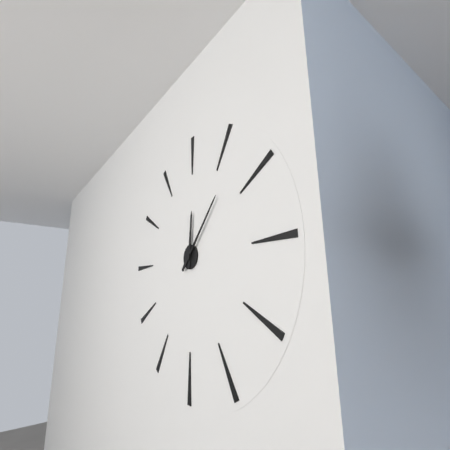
12:07
